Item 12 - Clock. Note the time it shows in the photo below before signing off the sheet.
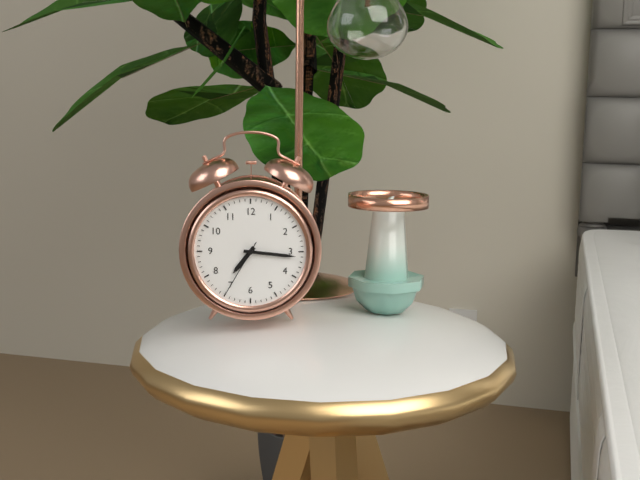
7:16:35
